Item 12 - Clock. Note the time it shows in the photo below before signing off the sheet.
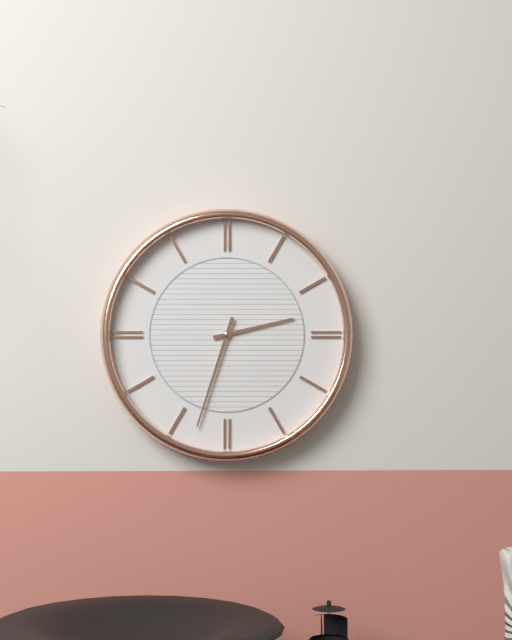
2:33
